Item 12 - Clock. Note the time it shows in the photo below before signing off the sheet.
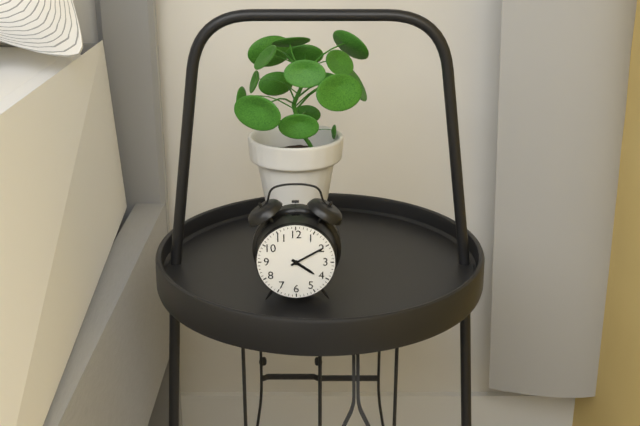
4:10
